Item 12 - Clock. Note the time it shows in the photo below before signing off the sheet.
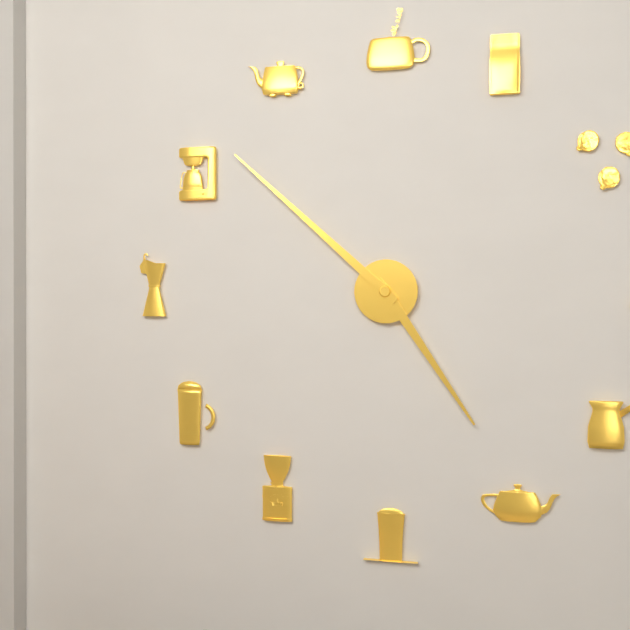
4:52
